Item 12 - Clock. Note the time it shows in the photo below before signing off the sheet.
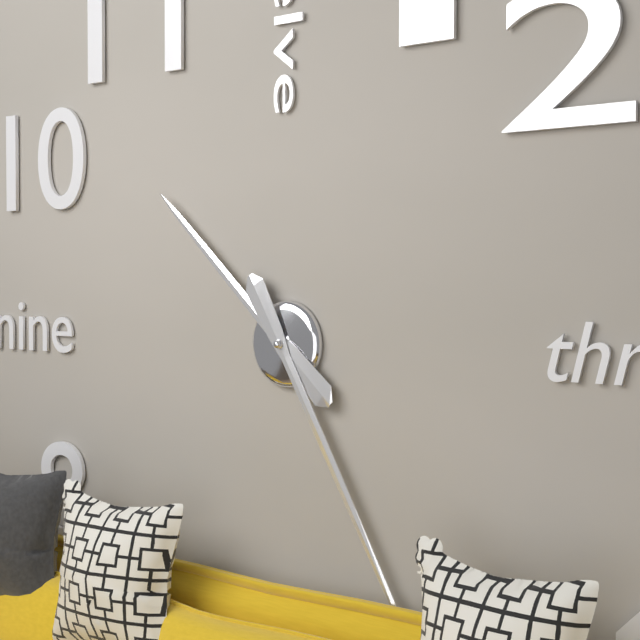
10:25
